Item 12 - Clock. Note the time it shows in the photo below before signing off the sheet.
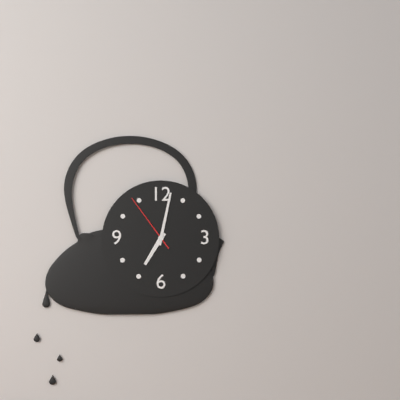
7:02:54
